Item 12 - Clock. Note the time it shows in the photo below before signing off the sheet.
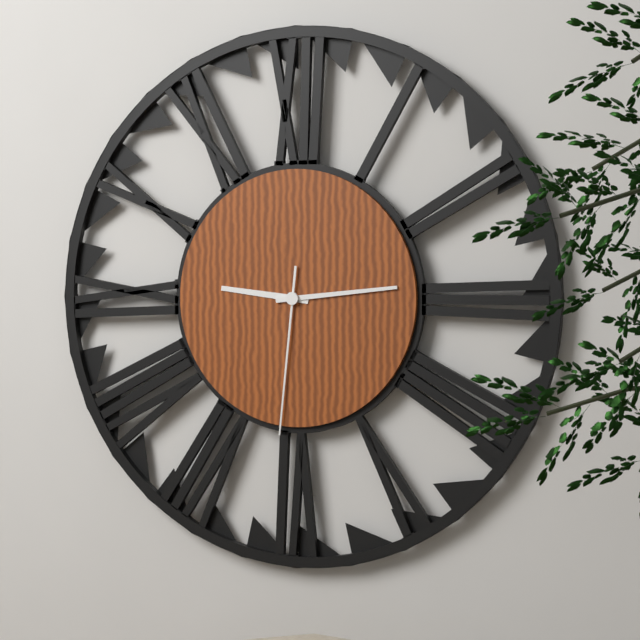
9:14:31
